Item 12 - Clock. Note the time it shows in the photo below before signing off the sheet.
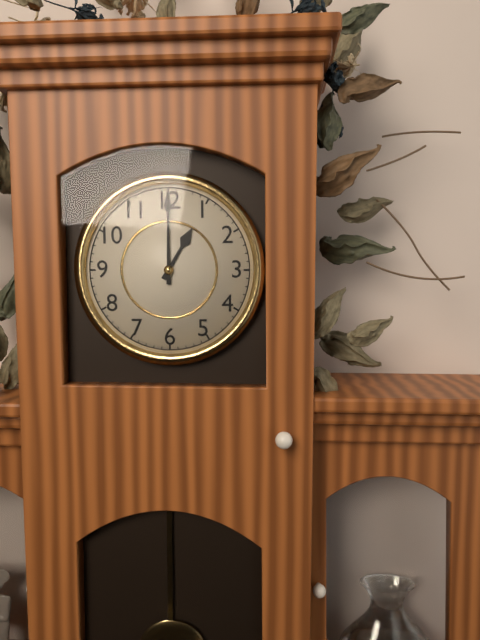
1:00
